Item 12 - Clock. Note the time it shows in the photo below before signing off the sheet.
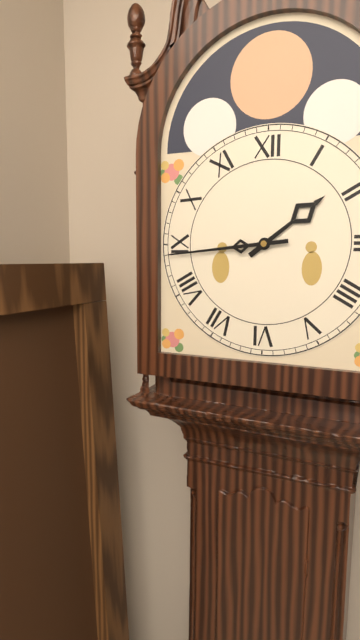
1:44
